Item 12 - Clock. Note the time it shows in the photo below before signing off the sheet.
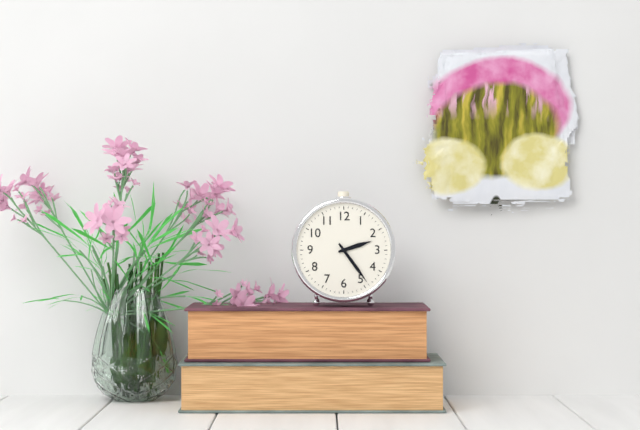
2:24
